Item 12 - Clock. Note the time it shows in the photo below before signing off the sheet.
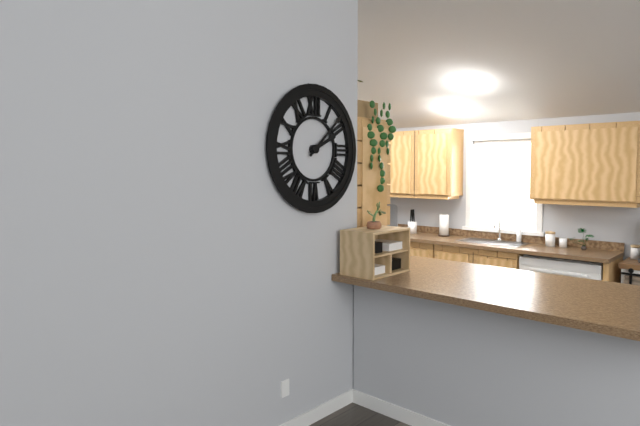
2:08
